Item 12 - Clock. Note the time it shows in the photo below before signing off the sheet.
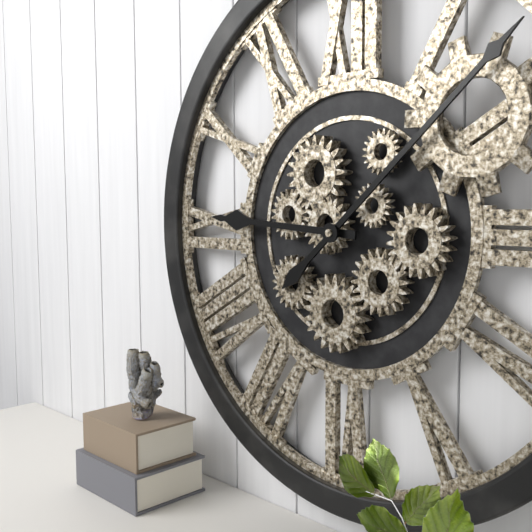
9:08
